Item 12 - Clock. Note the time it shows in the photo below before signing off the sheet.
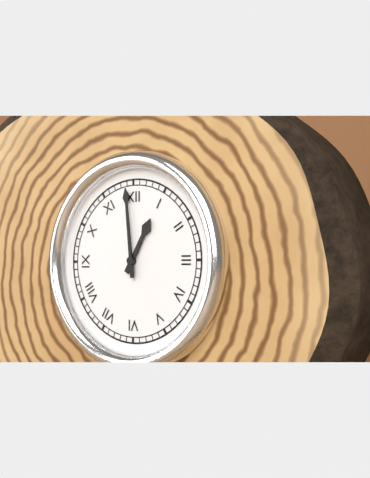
12:59
